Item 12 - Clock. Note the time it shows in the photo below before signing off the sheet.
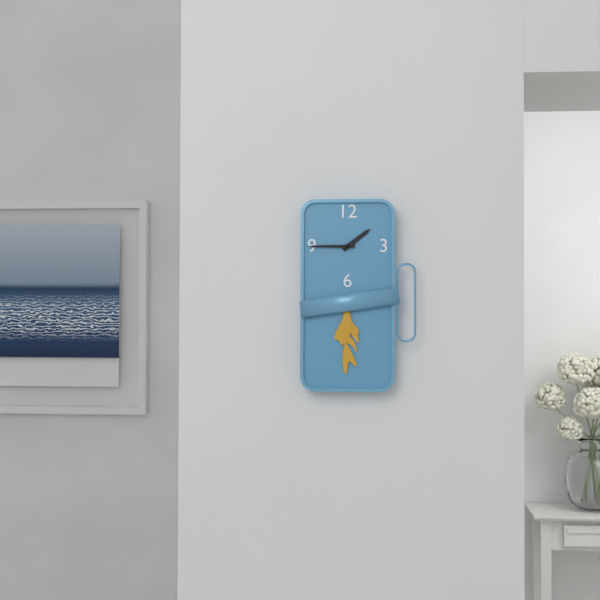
1:45
